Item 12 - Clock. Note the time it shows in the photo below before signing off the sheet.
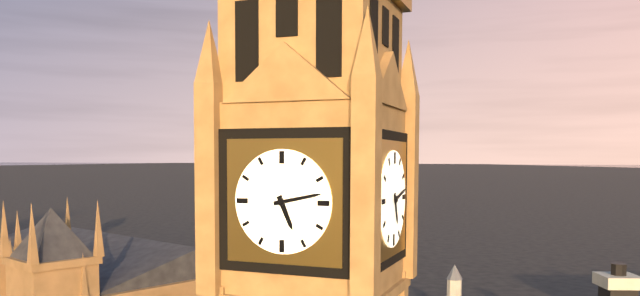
5:13
